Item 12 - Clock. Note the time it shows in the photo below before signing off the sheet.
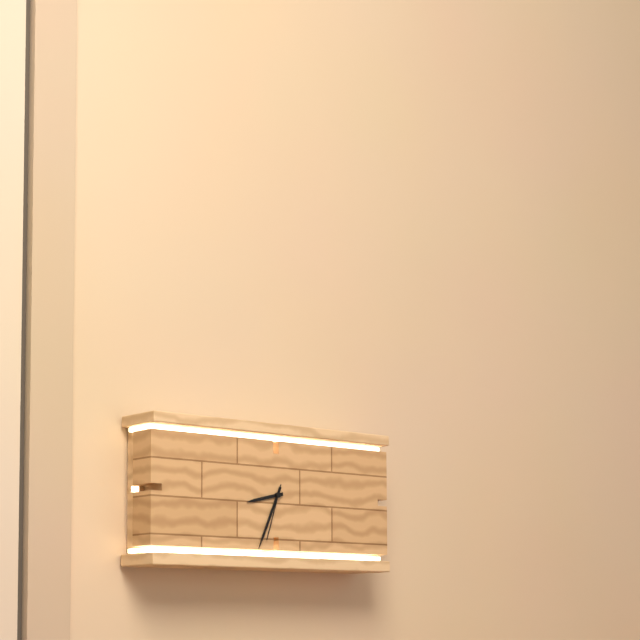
8:34:33
